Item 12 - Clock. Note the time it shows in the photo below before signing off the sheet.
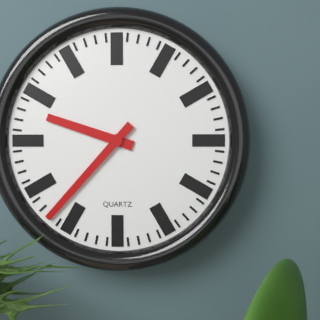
9:37
